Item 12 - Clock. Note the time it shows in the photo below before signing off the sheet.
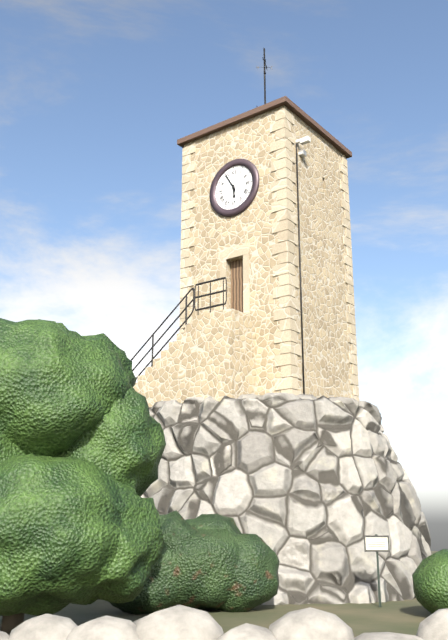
5:55
